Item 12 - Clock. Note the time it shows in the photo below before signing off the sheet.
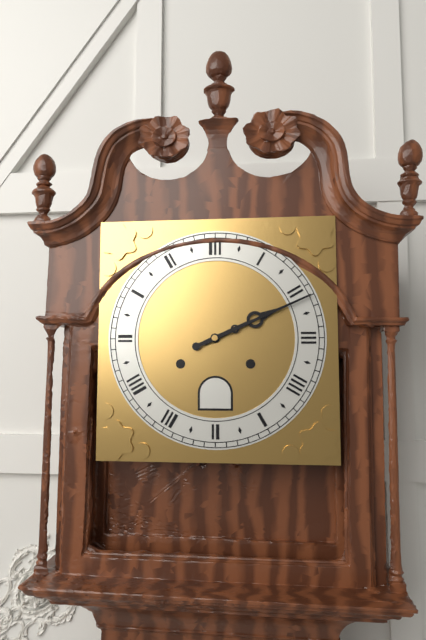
2:11
